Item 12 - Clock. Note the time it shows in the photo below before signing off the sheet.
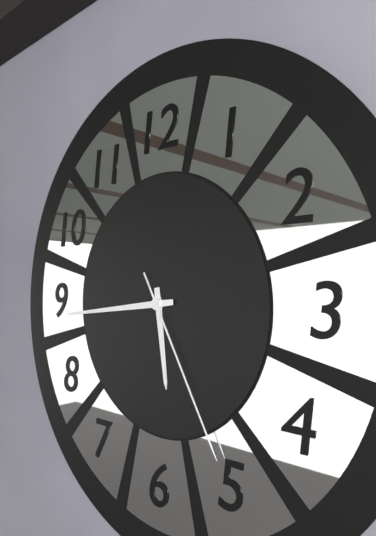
5:44:25
